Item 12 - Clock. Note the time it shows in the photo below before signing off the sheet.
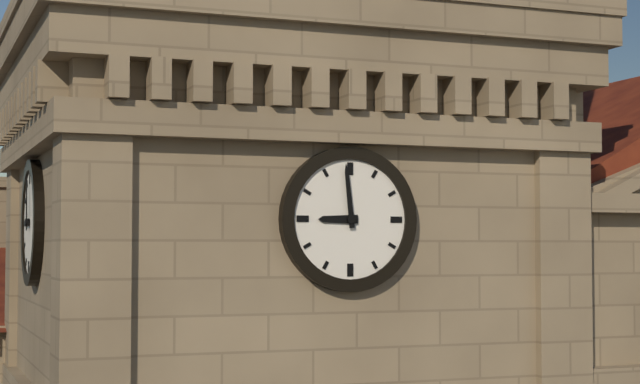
8:59
